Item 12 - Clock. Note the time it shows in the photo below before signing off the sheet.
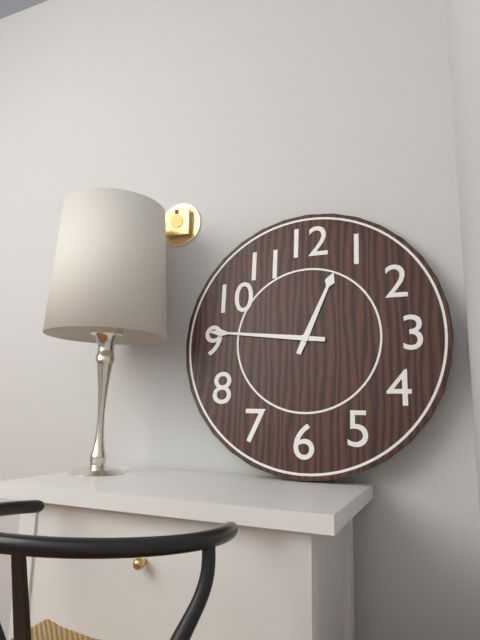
12:46
